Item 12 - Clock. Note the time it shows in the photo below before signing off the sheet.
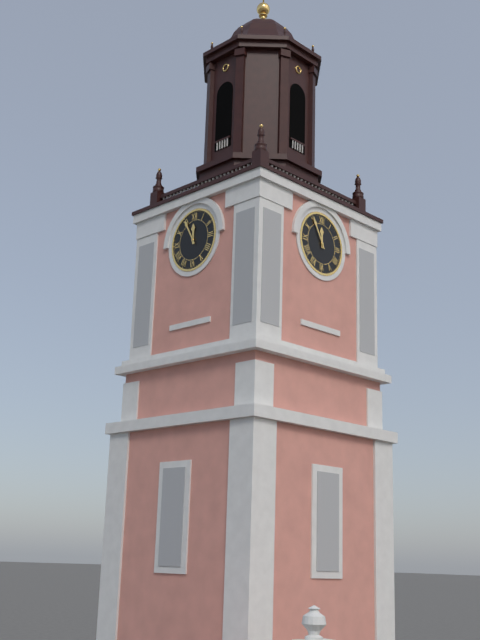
11:55
